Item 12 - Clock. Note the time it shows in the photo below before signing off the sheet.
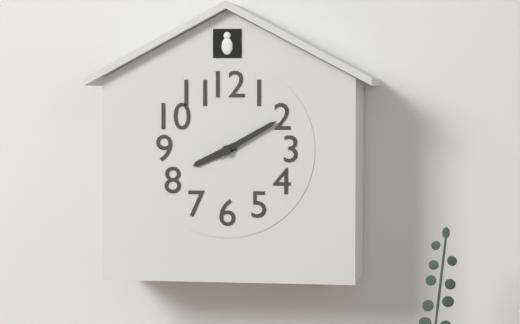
8:10
